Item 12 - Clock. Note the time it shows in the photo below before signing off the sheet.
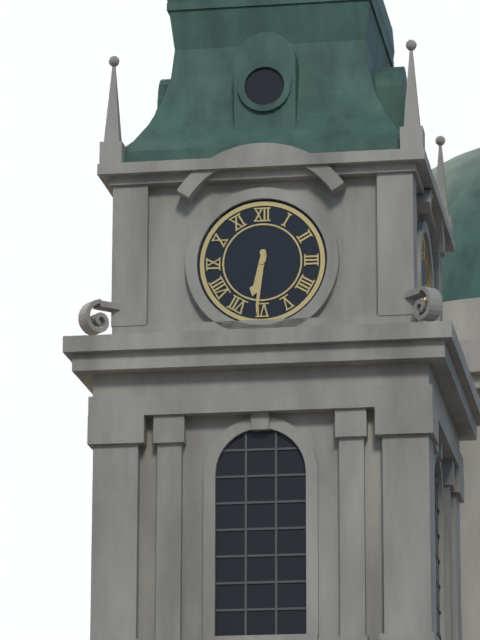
6:31
